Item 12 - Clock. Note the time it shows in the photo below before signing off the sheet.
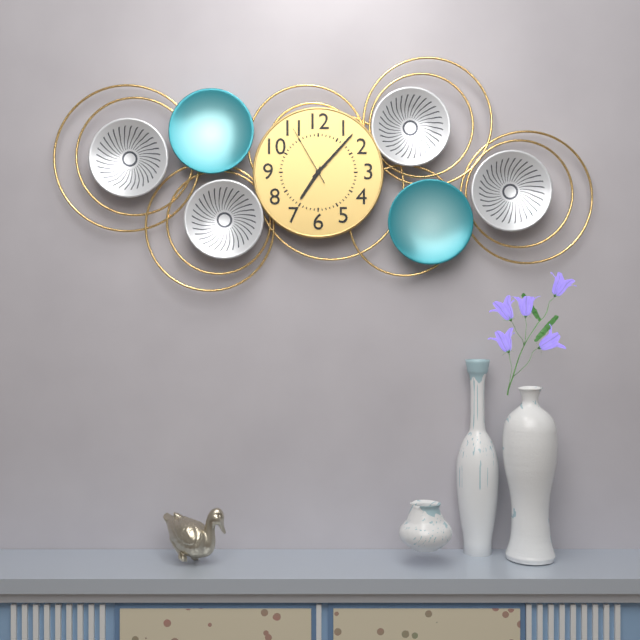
7:07:55
